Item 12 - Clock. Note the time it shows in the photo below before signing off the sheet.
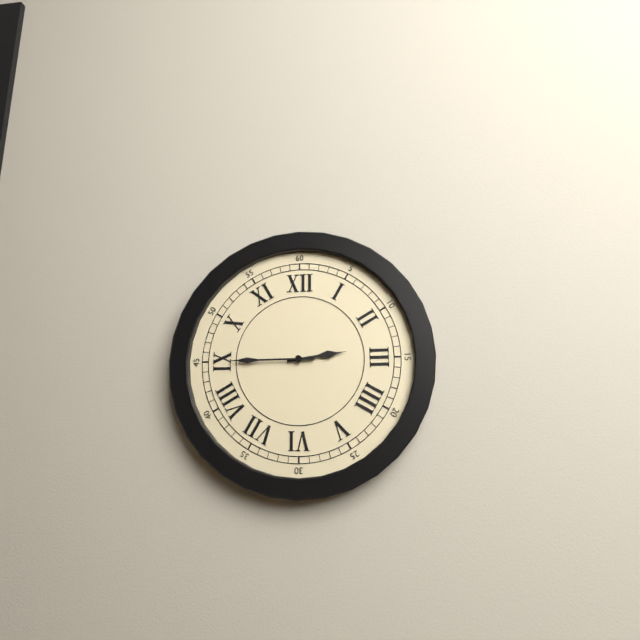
2:45
